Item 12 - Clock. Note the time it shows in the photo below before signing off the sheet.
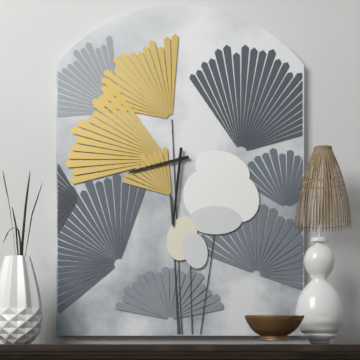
8:31
